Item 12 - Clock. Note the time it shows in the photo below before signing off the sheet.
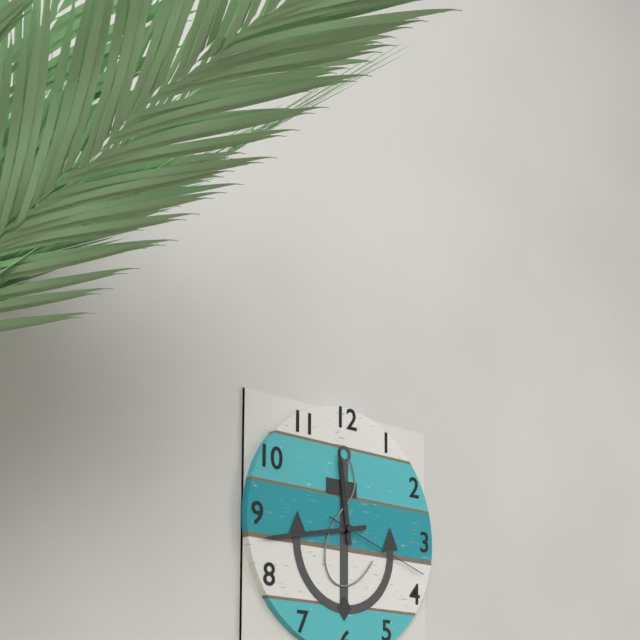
11:43:18
